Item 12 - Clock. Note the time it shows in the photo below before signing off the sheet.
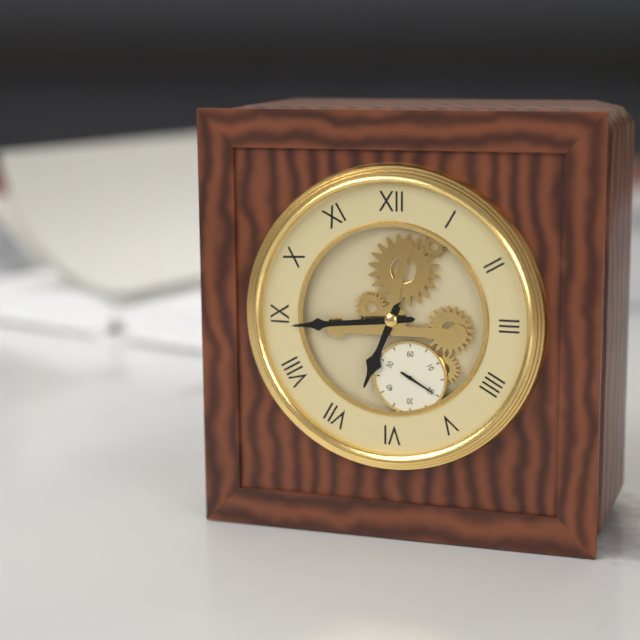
6:44
